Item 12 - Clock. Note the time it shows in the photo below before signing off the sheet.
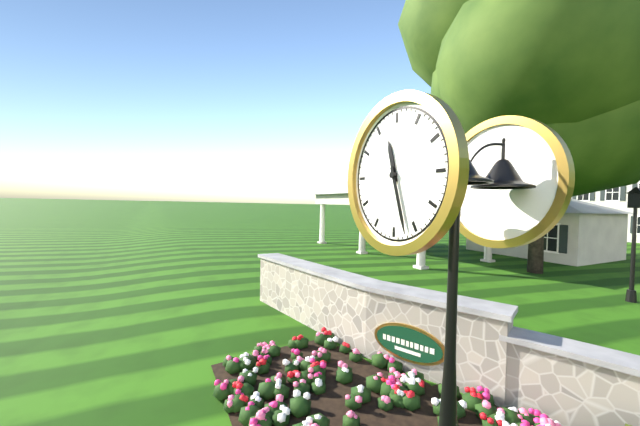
11:27
